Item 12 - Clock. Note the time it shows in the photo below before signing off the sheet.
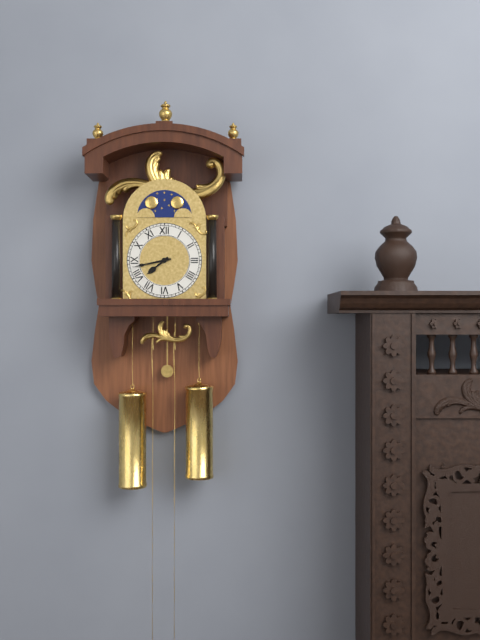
7:43
